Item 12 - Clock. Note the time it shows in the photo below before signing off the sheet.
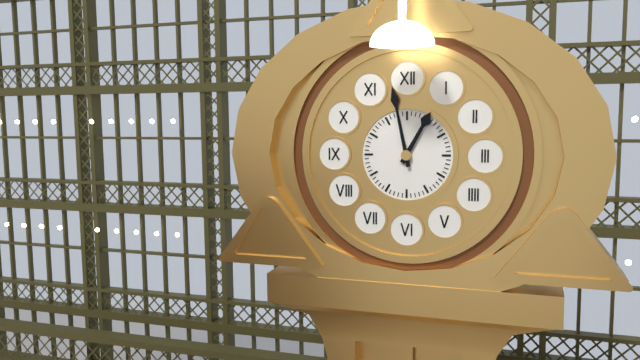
12:58
